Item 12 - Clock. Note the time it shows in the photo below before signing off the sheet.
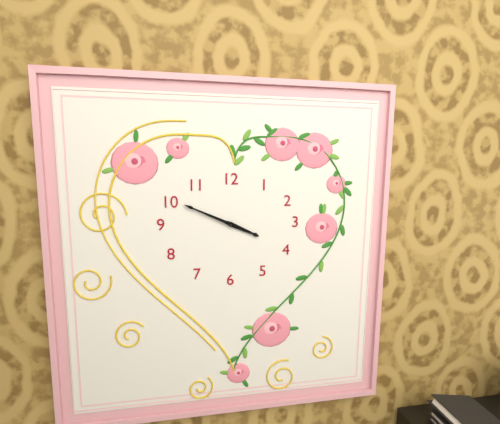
3:49
